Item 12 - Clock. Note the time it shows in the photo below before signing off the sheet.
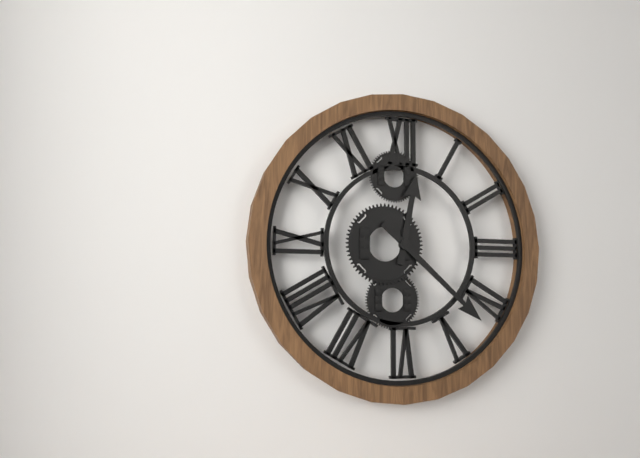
12:22
